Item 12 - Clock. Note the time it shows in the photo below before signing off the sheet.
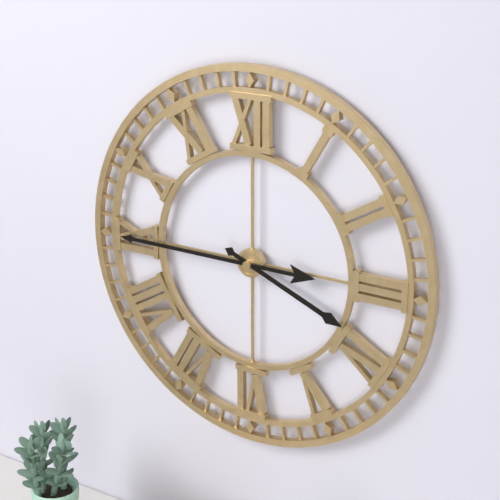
3:45
